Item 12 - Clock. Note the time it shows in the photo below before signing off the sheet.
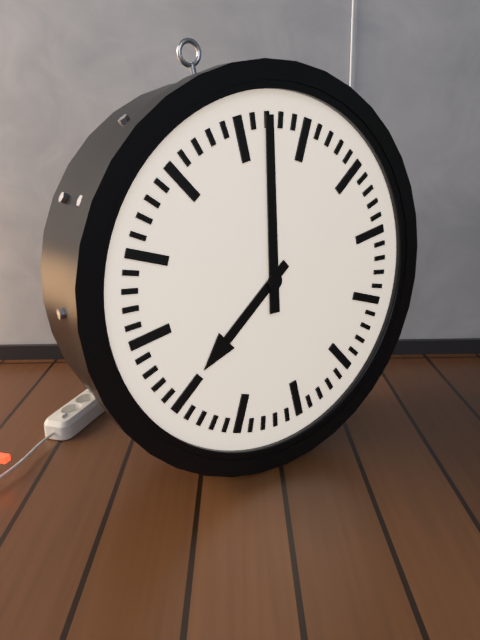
8:02
